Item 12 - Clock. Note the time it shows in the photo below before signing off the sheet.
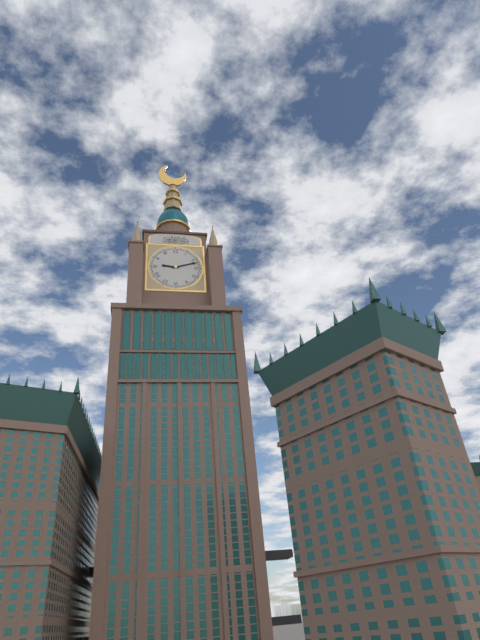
9:12
